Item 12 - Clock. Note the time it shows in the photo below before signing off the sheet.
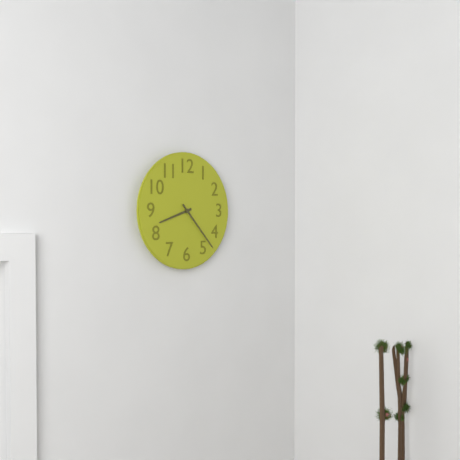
8:23
